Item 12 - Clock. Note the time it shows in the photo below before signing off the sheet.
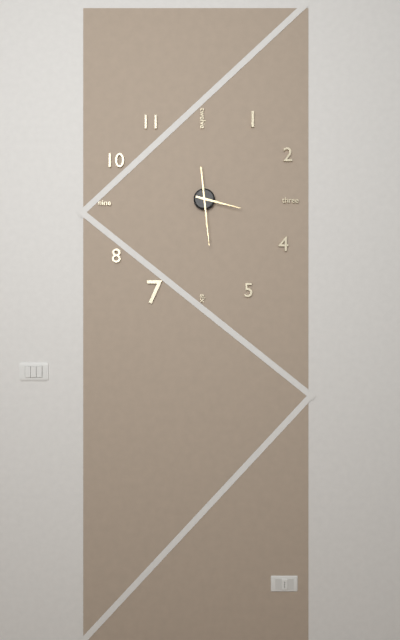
3:29
